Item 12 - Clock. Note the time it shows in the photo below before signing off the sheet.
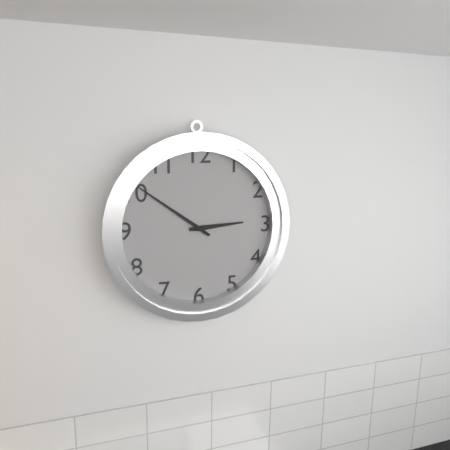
2:51
